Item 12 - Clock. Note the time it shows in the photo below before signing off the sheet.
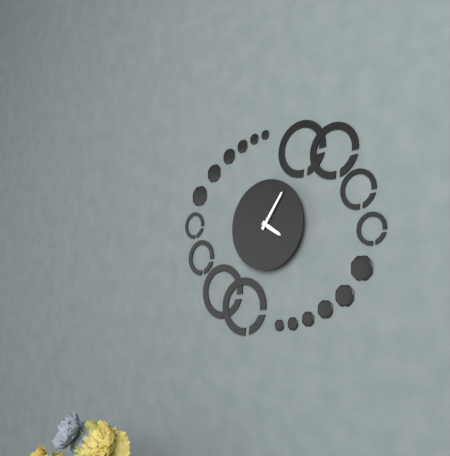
4:06
